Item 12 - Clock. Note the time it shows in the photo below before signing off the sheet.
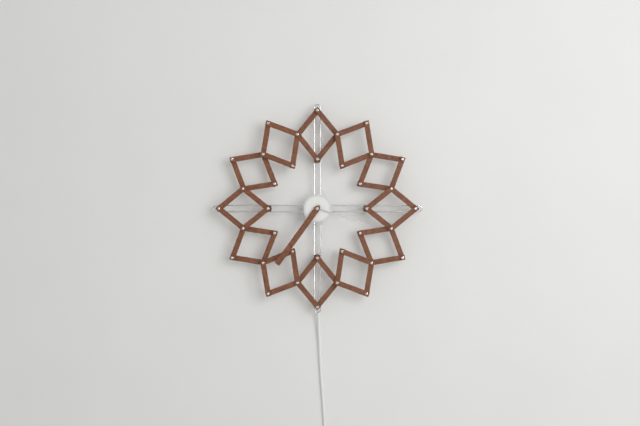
3:36
